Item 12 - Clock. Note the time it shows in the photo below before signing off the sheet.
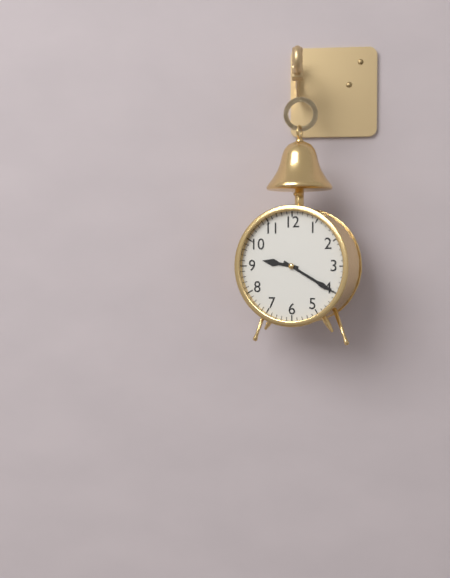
9:20
